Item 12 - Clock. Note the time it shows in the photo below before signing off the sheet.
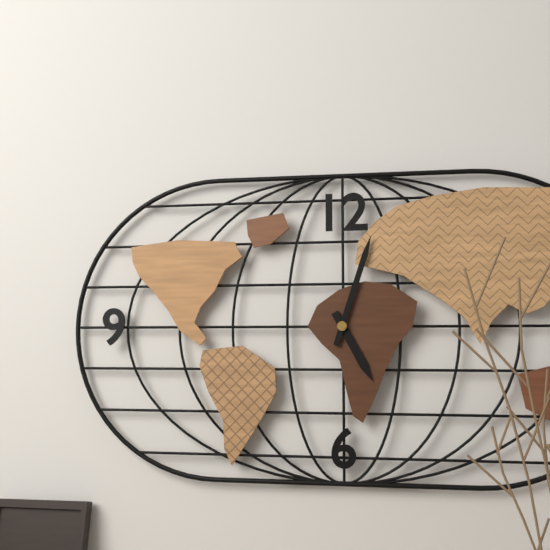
5:03
